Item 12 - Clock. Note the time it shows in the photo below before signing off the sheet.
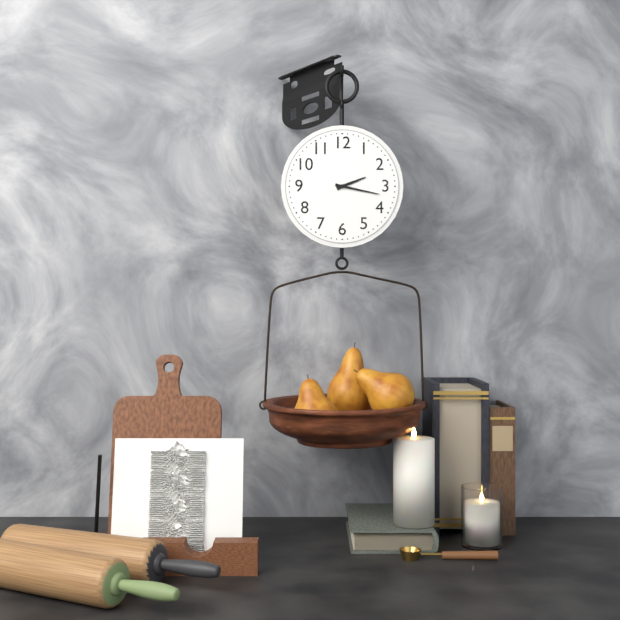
2:17
